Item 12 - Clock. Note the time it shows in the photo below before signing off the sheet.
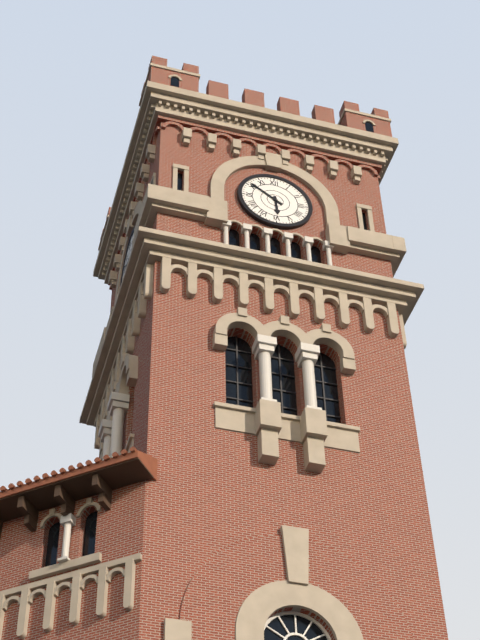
5:51
